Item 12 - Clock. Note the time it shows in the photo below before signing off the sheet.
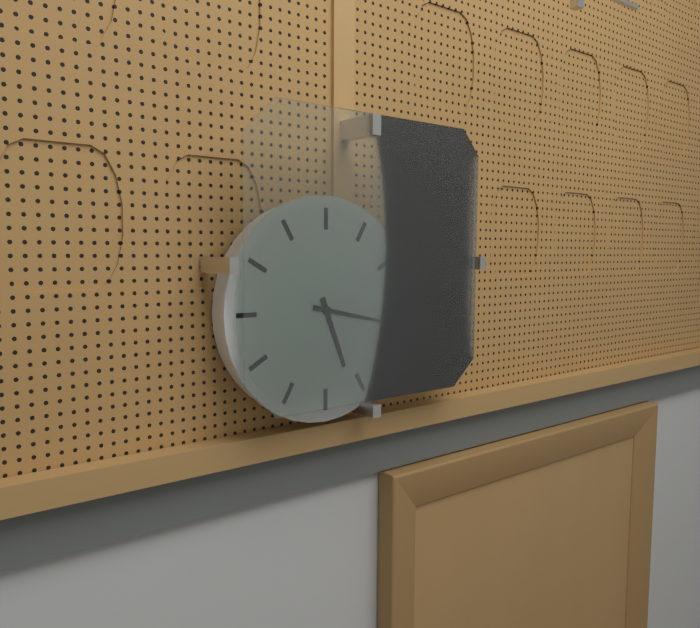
5:17
